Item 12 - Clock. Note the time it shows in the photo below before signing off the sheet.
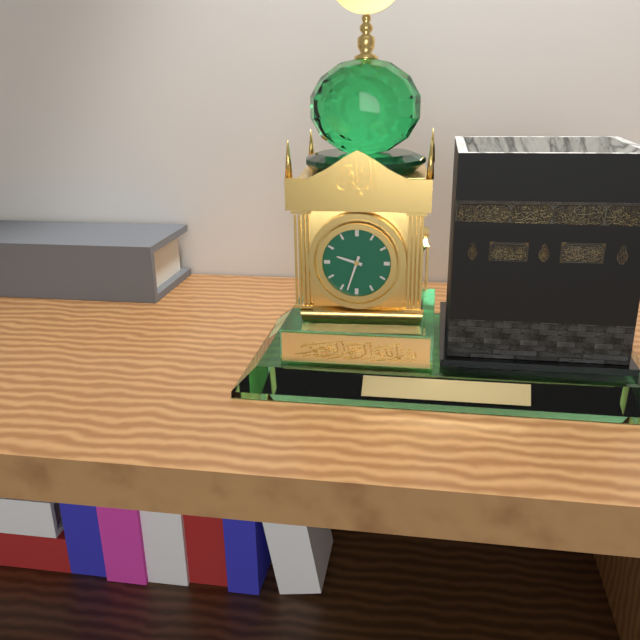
9:33
